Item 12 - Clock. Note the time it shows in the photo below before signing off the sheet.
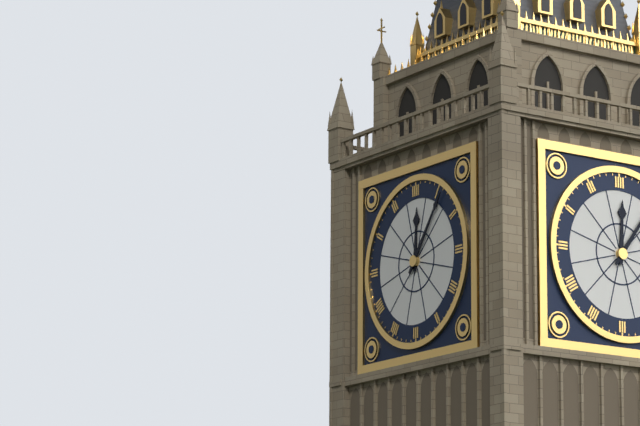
12:06
